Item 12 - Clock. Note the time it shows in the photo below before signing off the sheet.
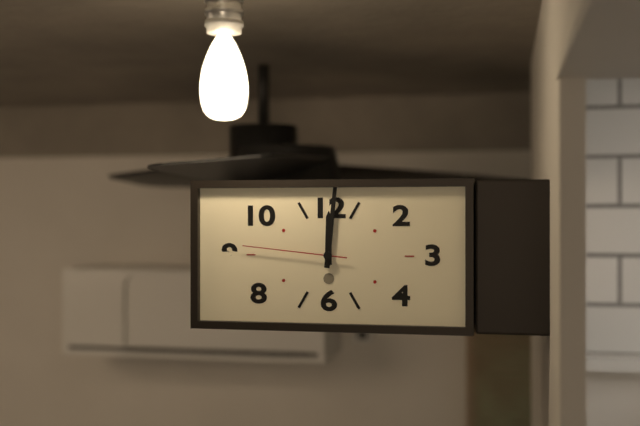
12:01:46
